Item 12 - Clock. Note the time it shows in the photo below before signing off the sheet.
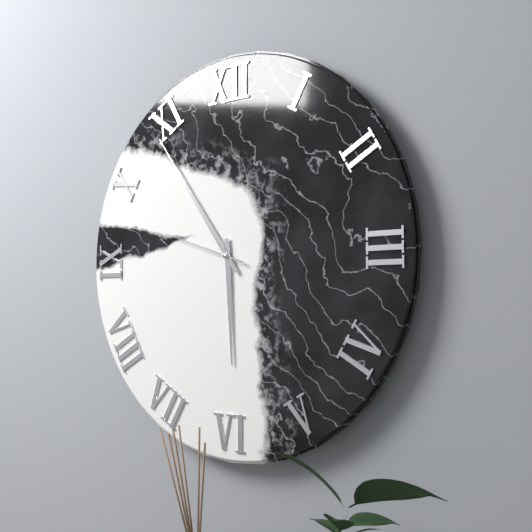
5:54:48
